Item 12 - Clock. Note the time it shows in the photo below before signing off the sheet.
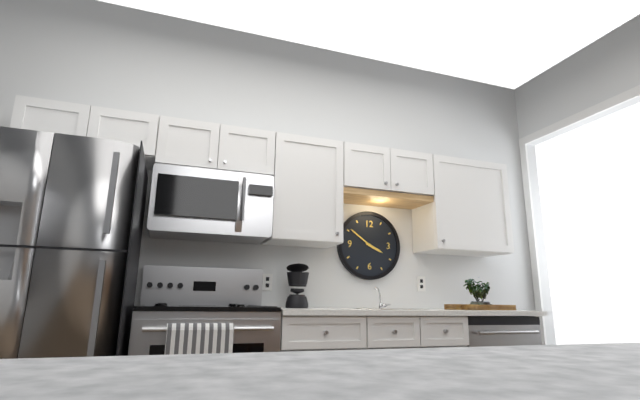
3:51
